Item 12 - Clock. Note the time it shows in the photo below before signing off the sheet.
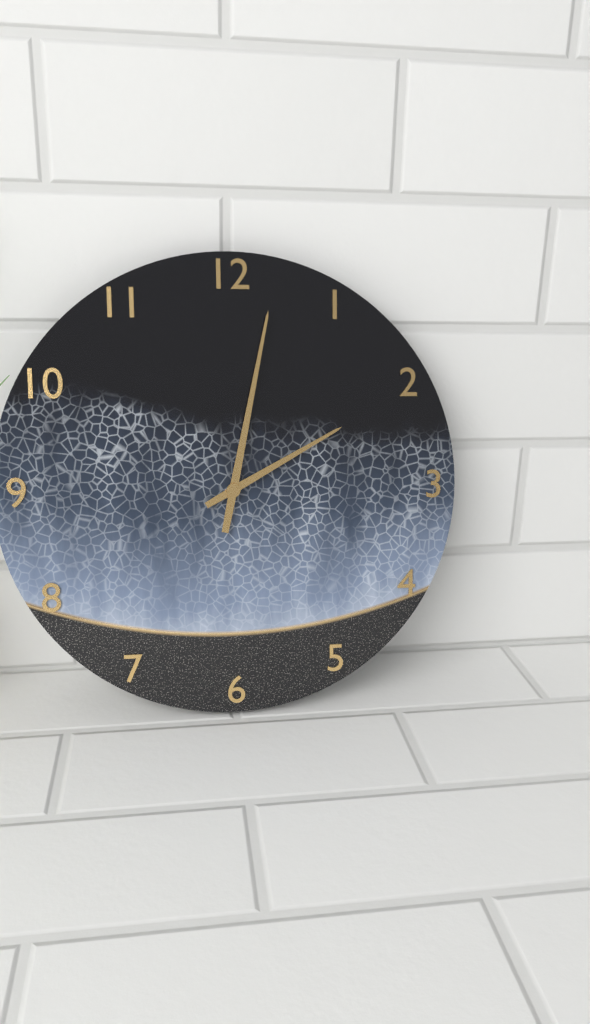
2:02
